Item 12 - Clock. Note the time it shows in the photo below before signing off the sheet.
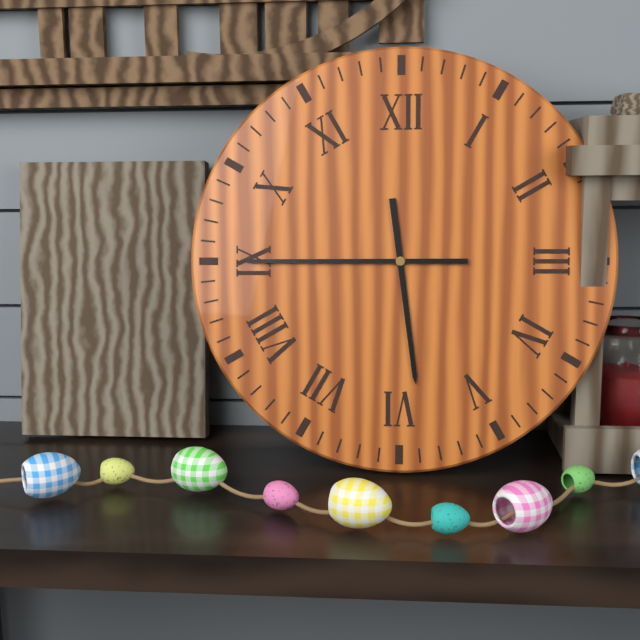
5:45
